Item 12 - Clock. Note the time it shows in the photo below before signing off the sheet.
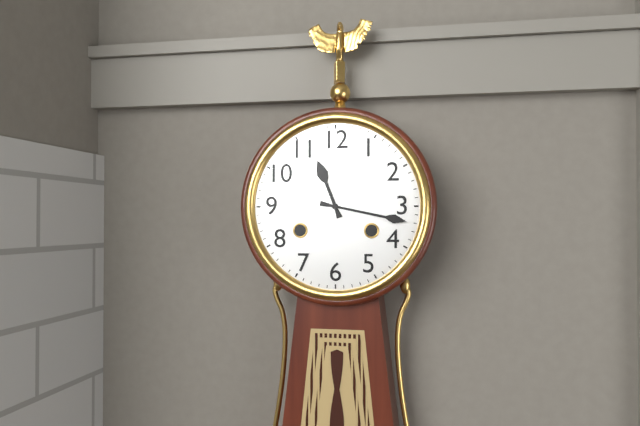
11:17
